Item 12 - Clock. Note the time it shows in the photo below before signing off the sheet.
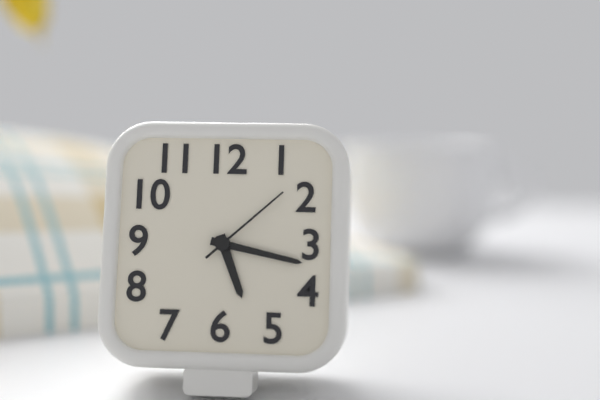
5:17:08
